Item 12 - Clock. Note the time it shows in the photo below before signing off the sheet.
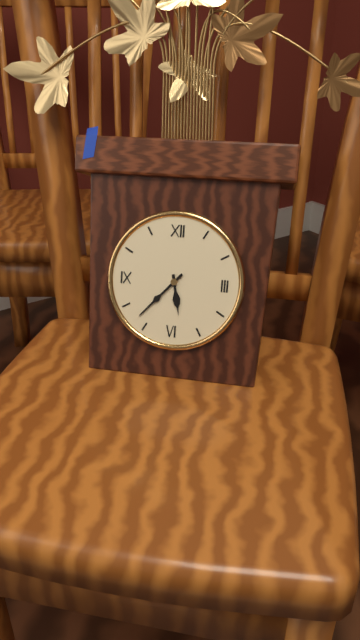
5:37
